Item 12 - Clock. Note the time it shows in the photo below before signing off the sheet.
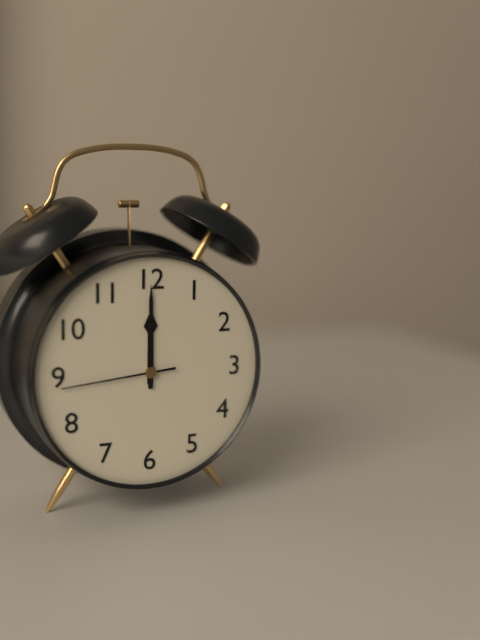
12:00:44
